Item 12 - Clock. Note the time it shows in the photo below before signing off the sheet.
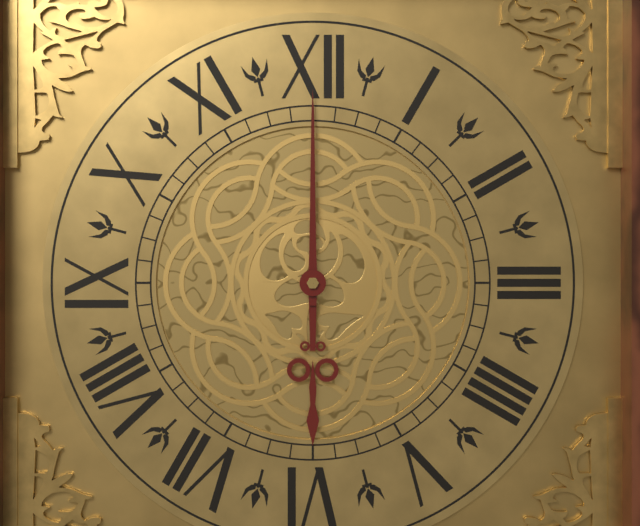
6:00
